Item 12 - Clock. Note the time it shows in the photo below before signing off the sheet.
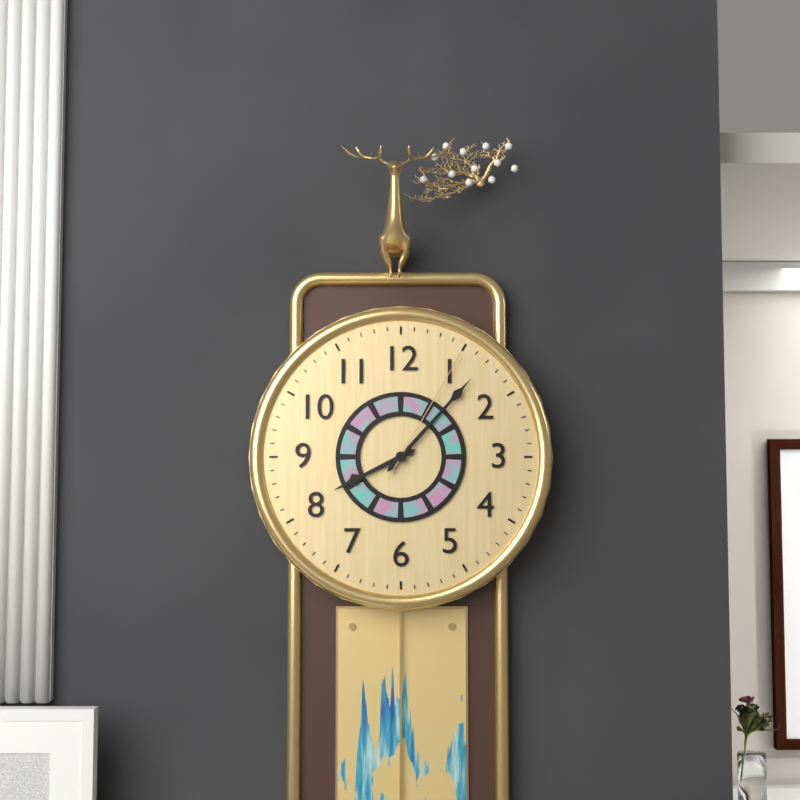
8:07:05
